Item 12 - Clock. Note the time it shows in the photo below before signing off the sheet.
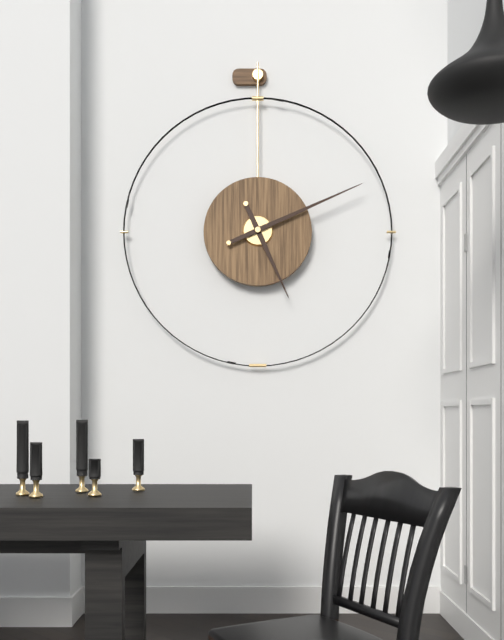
5:11
